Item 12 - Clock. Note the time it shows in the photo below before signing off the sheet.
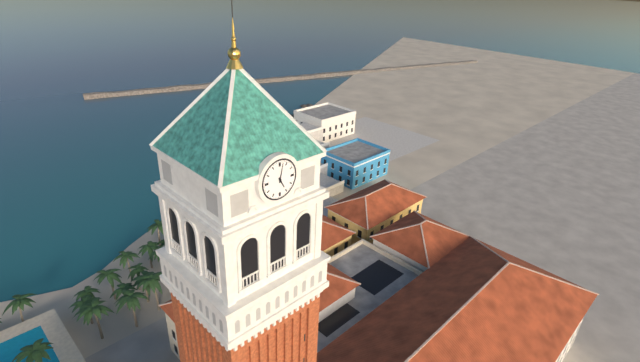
5:02
